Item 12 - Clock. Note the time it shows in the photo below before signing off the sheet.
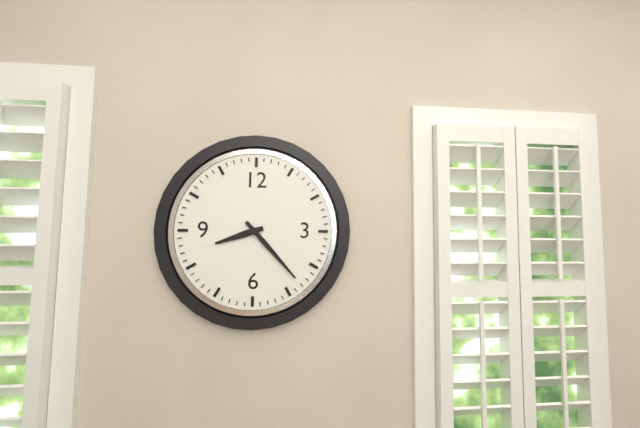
8:23
